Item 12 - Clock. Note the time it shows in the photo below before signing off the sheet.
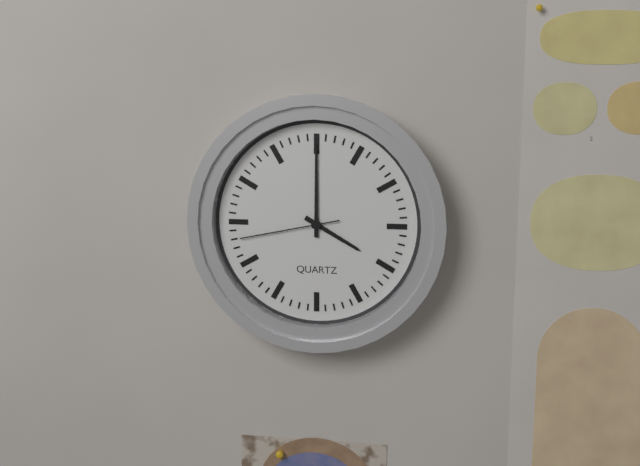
4:00:43
